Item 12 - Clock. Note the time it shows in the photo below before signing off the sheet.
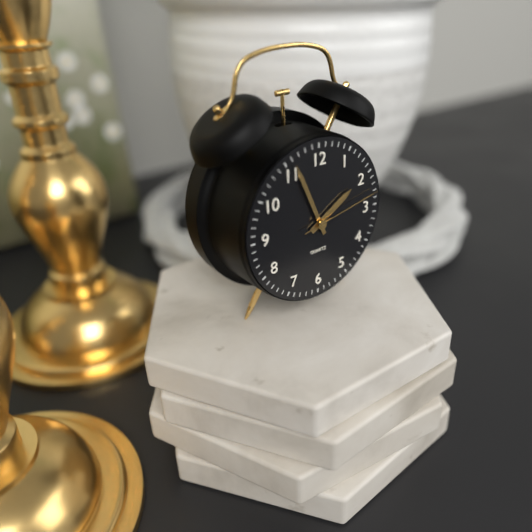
1:56:13
